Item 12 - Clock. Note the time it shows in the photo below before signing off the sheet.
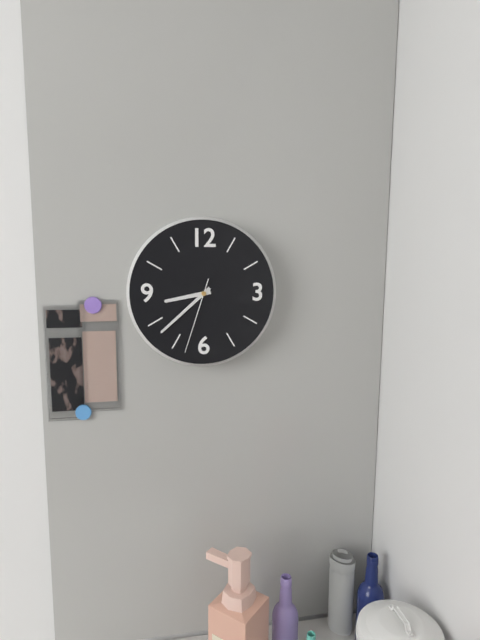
8:38:33
